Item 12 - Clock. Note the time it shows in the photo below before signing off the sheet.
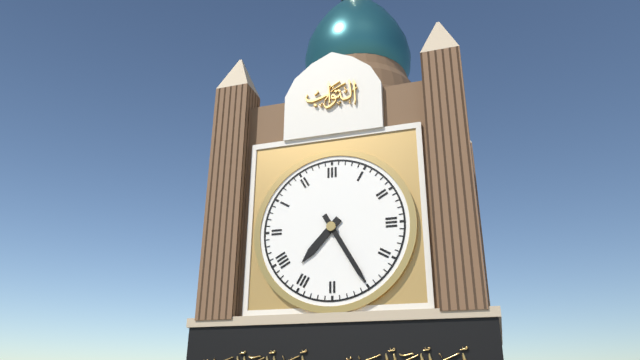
7:25
